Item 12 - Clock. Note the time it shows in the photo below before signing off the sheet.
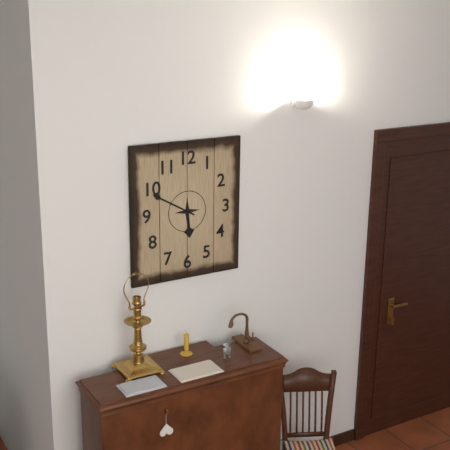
5:50
